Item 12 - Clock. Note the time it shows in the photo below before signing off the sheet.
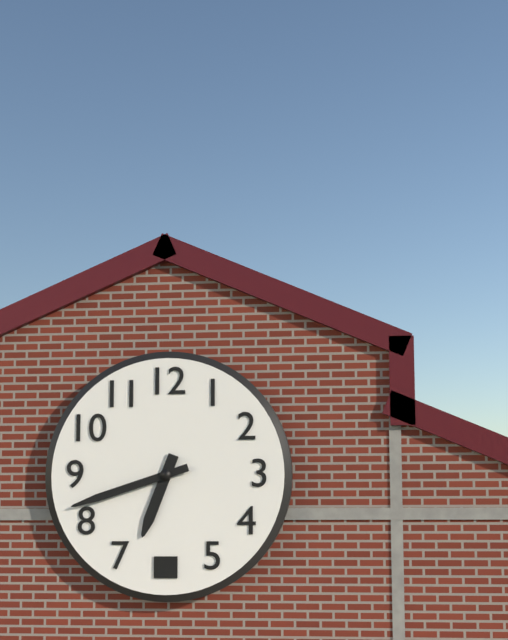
6:42
